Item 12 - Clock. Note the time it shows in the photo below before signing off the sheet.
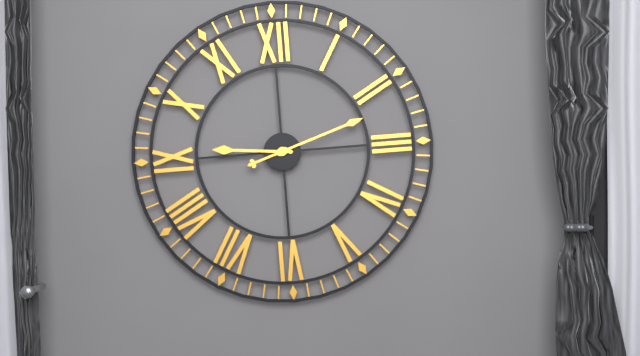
9:12
